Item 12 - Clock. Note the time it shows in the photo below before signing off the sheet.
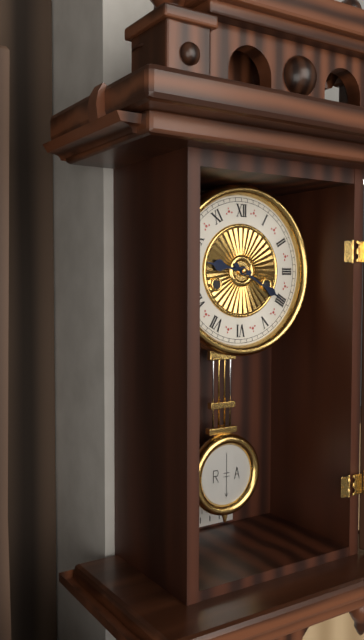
9:20
